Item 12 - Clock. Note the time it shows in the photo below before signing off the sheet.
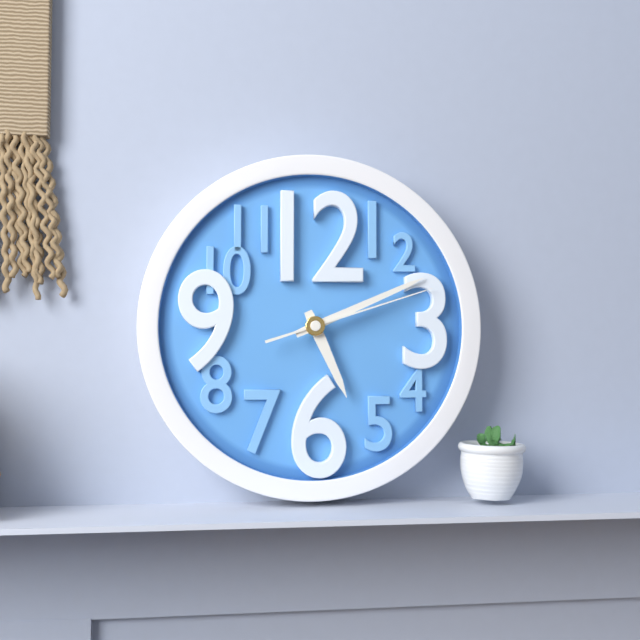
5:11:12
